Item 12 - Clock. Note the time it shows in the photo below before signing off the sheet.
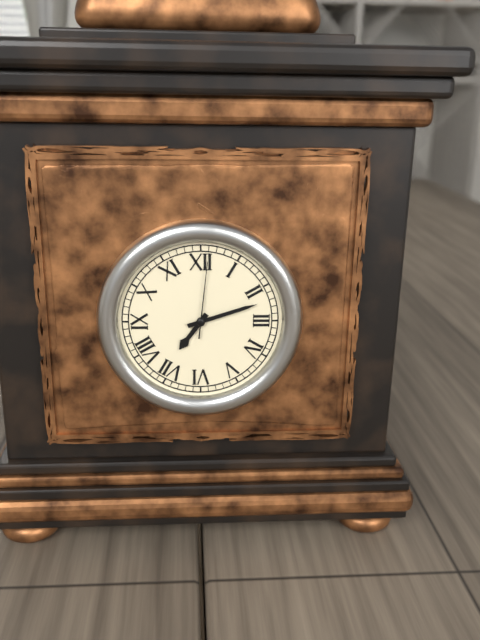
7:12:01
